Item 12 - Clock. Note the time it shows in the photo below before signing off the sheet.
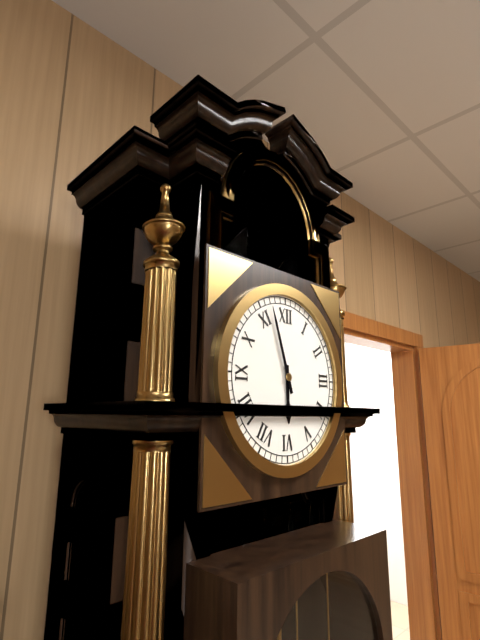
5:57
